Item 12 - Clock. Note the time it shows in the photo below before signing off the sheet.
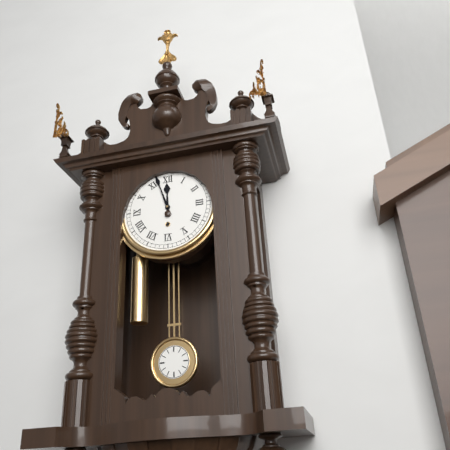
11:57
